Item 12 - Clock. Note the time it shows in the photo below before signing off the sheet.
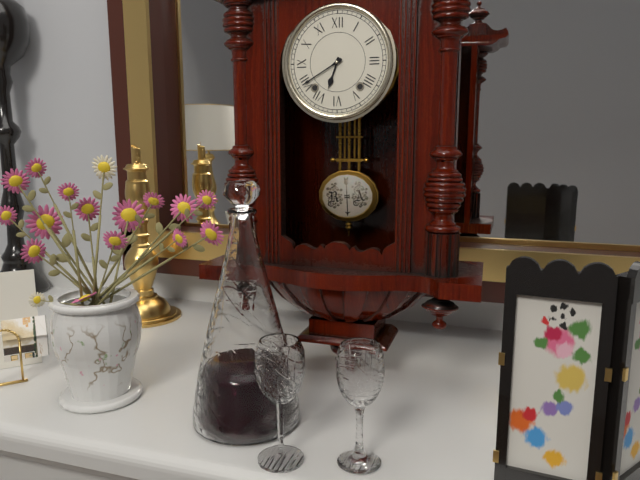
6:40
